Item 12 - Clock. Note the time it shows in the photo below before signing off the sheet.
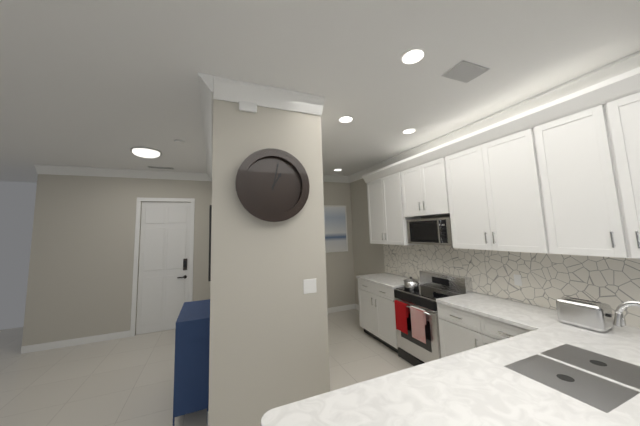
1:02
